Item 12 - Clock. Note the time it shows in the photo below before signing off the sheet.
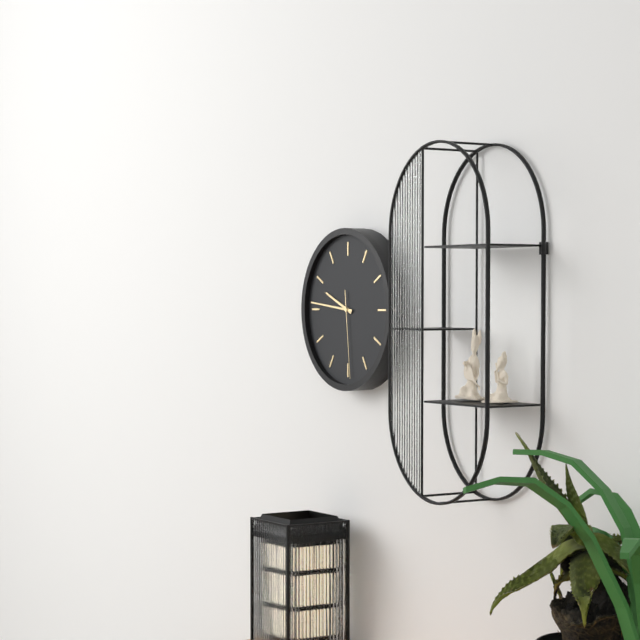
9:46:29
